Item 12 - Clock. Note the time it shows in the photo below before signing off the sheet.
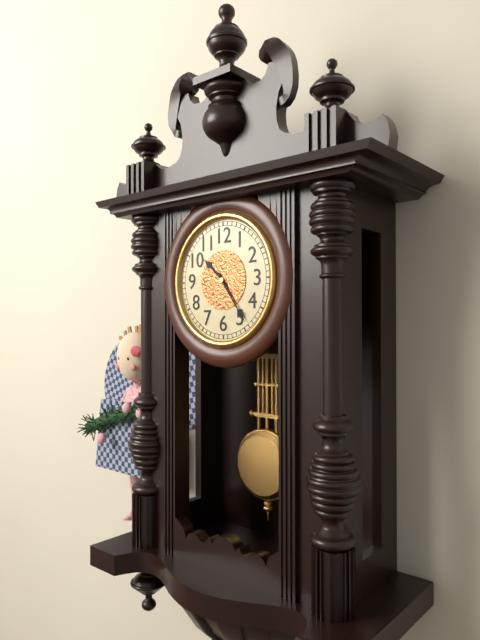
10:24
